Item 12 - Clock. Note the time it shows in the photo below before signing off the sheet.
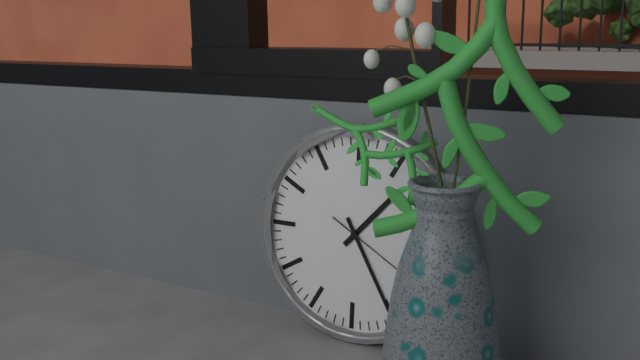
1:25
